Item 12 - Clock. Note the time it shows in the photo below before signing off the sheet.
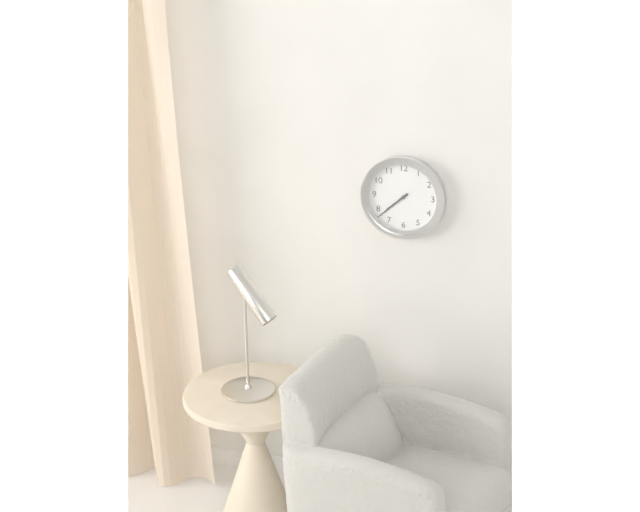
7:38
